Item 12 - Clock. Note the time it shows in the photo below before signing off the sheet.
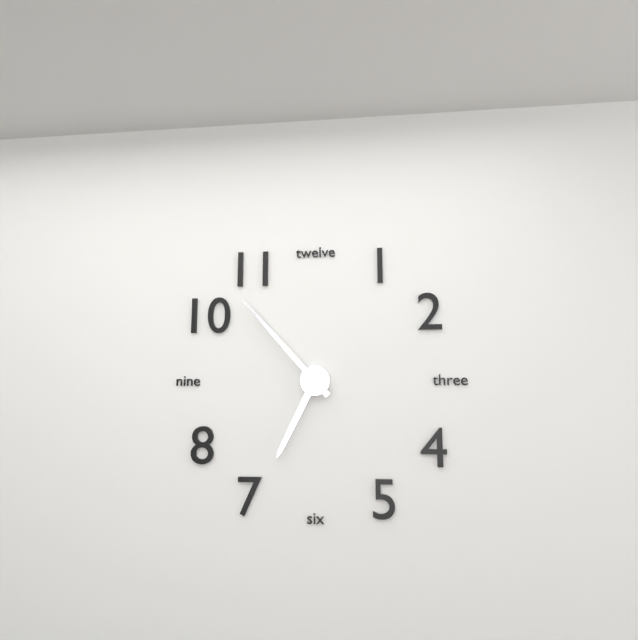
6:53
